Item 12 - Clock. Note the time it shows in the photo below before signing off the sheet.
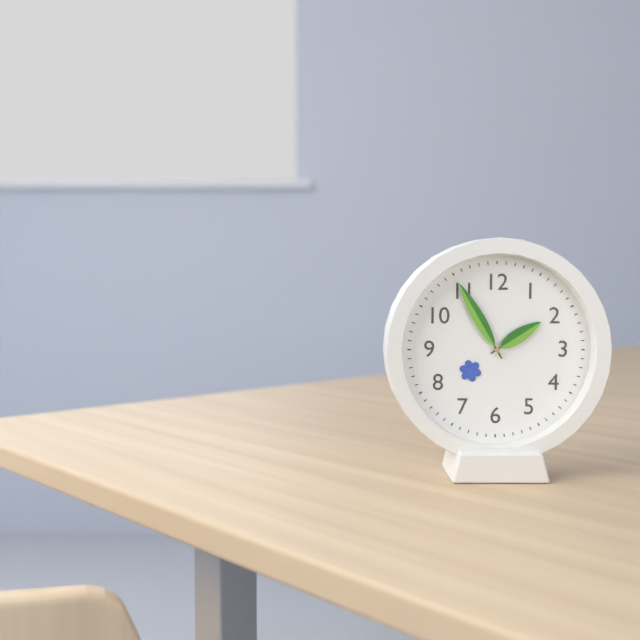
1:55
